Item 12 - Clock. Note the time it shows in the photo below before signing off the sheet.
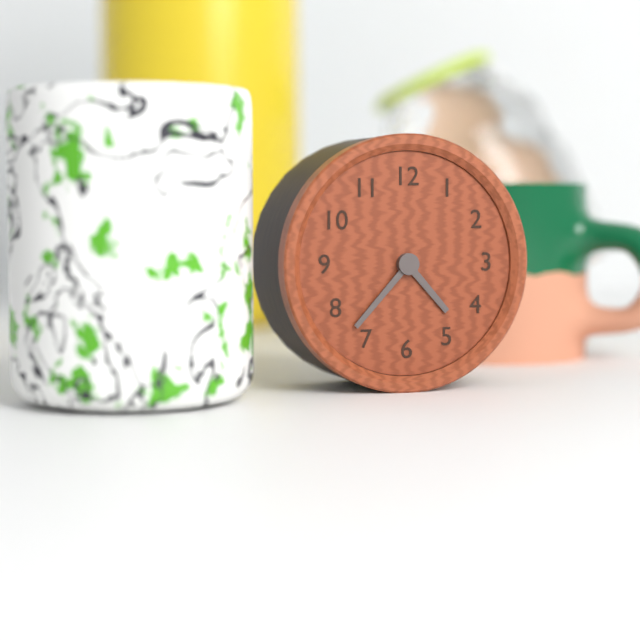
4:37
